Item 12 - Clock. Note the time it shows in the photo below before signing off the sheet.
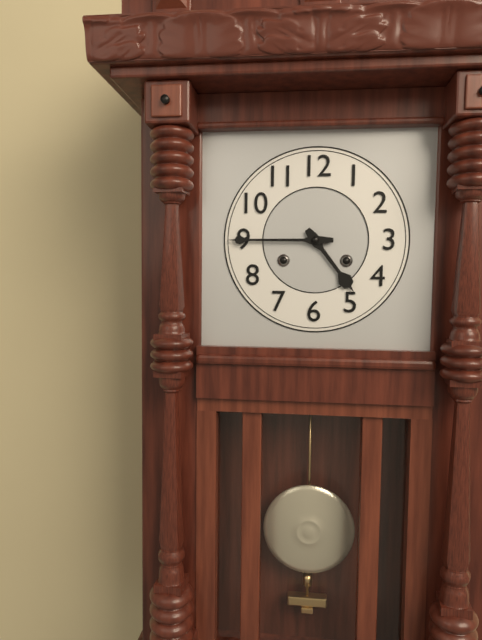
4:45
